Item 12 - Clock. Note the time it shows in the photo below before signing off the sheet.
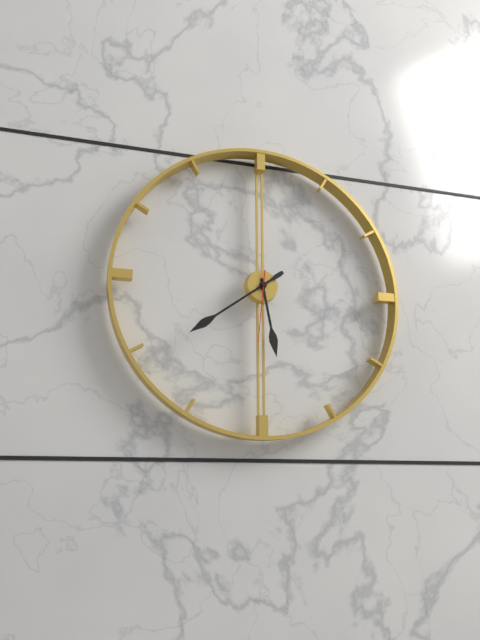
5:39:31
